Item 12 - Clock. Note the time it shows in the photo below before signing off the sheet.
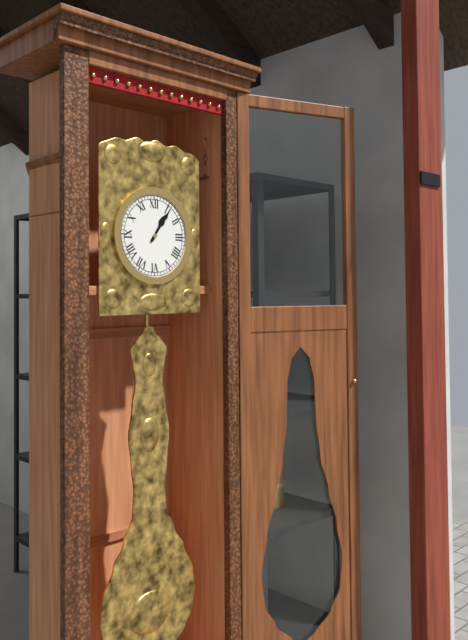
1:06
